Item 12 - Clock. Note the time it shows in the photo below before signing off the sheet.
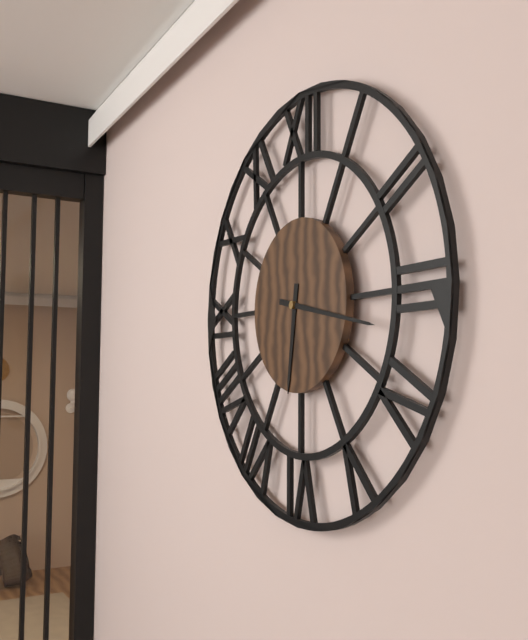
6:17
